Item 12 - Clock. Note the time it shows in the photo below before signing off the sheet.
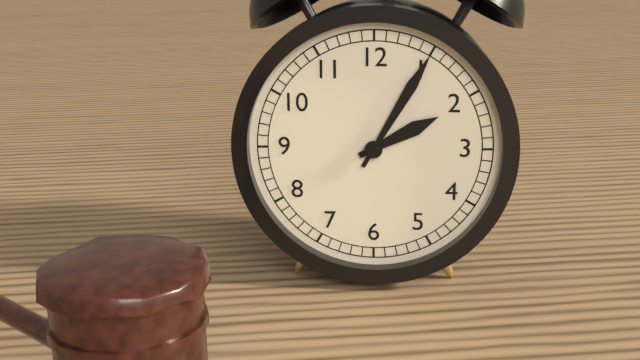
2:05
